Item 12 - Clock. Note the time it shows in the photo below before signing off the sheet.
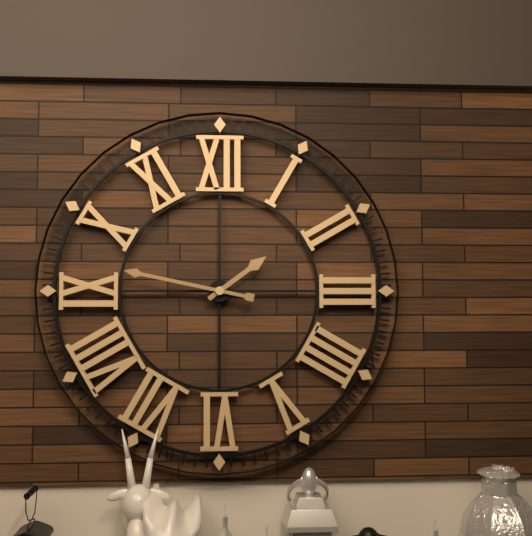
1:47
